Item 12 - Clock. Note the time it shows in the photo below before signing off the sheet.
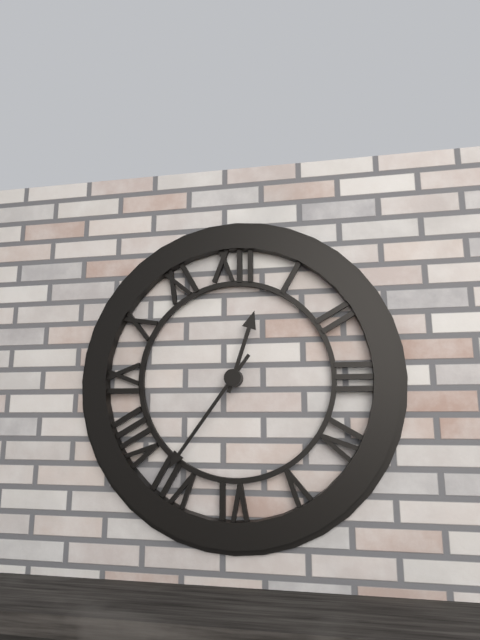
12:36
